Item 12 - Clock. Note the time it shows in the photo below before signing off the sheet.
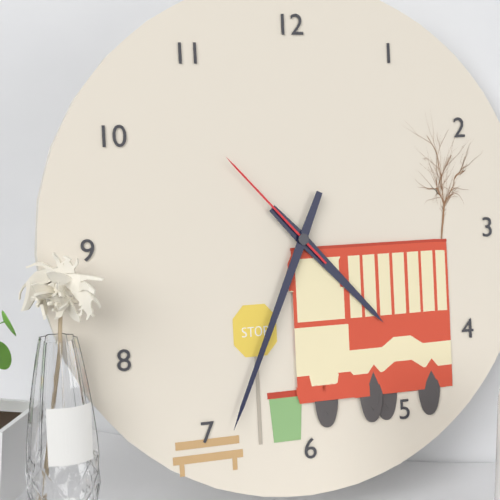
4:34:53
